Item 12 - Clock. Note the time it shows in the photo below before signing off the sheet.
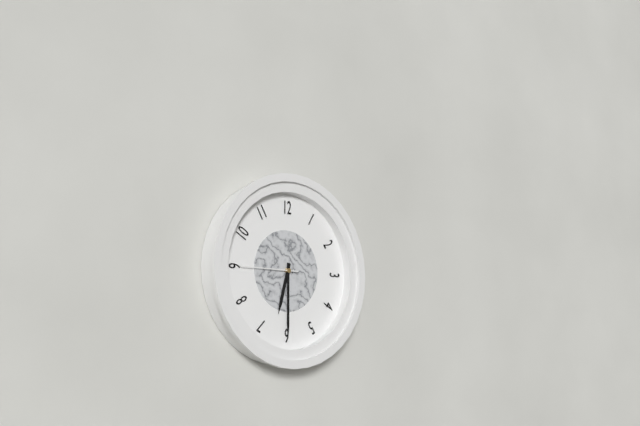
6:30:45
